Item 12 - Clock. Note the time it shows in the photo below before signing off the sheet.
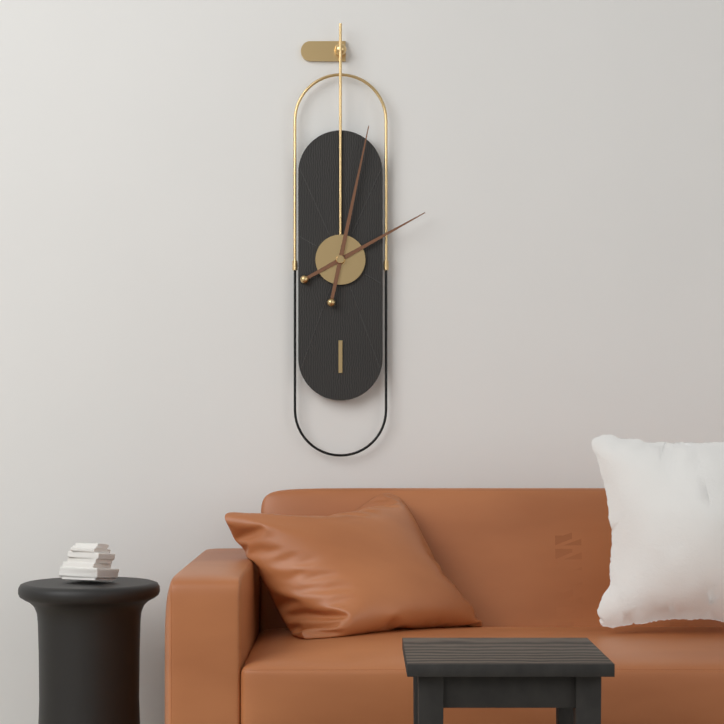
2:02
